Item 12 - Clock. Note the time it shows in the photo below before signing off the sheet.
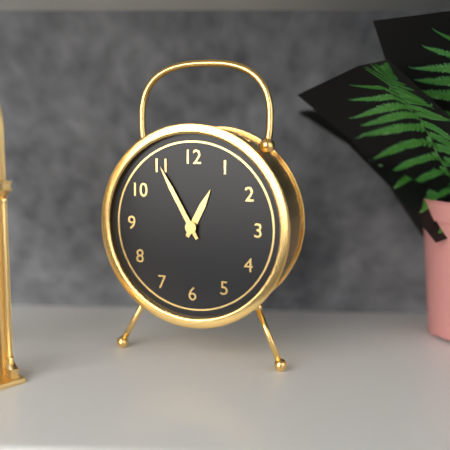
12:55
